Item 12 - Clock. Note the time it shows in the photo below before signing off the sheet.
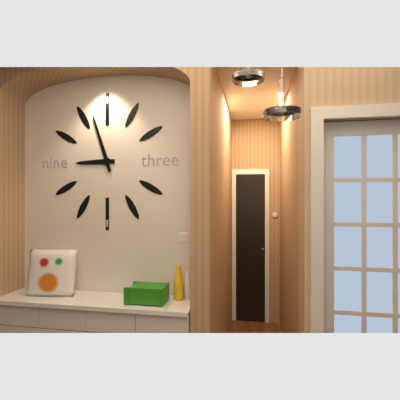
8:57
